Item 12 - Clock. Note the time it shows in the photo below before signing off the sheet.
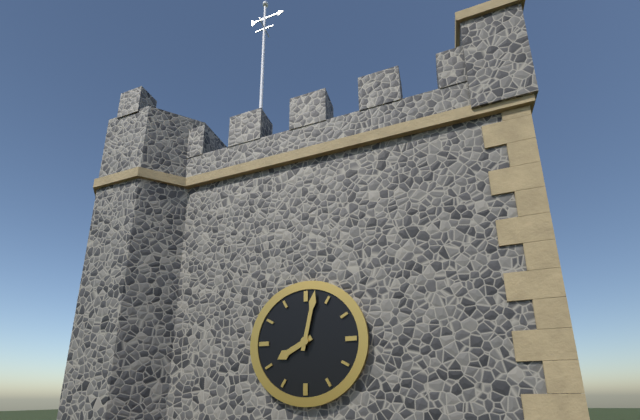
8:02
